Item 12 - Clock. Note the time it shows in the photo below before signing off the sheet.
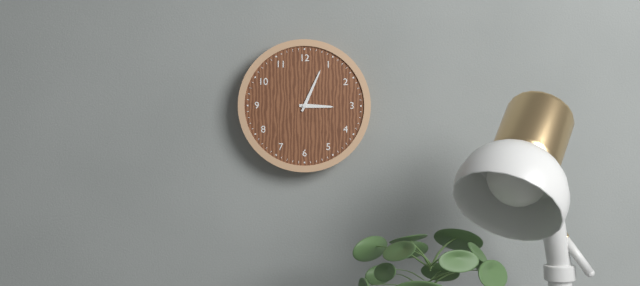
3:04
